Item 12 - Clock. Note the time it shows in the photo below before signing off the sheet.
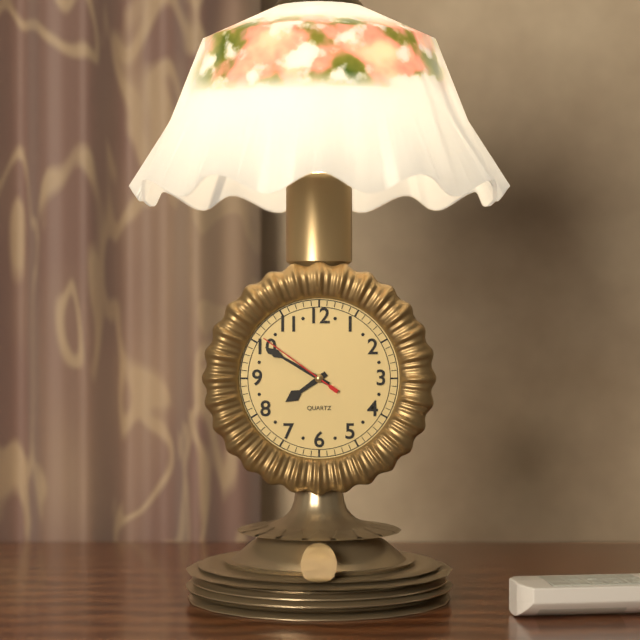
7:50:51
